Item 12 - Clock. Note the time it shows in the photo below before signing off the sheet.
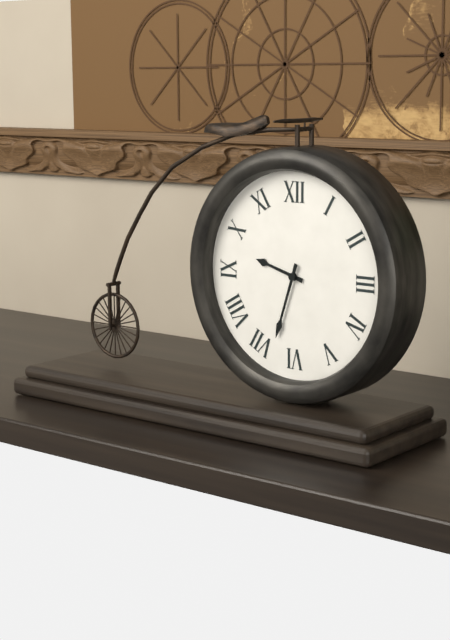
9:33
